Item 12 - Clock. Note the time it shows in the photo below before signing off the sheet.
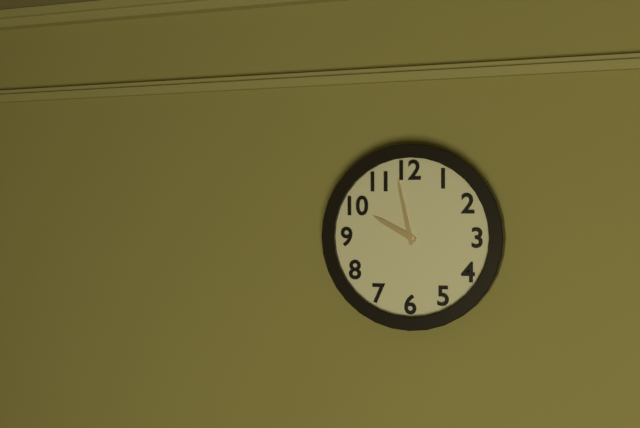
9:58
